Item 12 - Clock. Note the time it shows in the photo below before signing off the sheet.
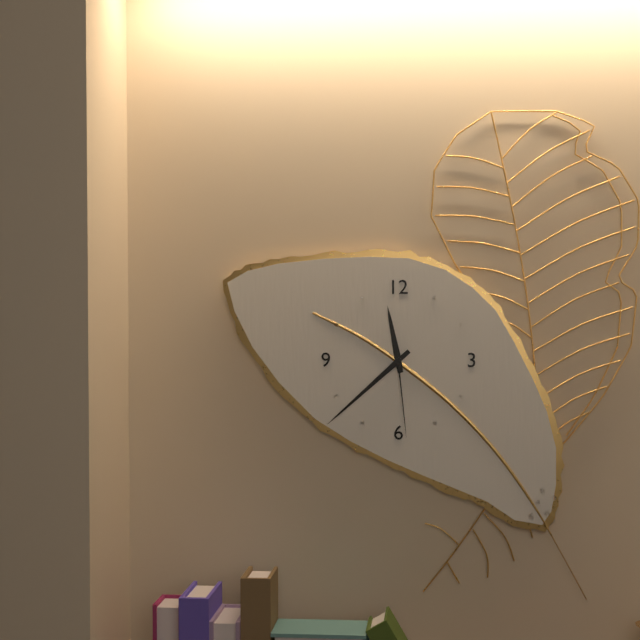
11:38:29
